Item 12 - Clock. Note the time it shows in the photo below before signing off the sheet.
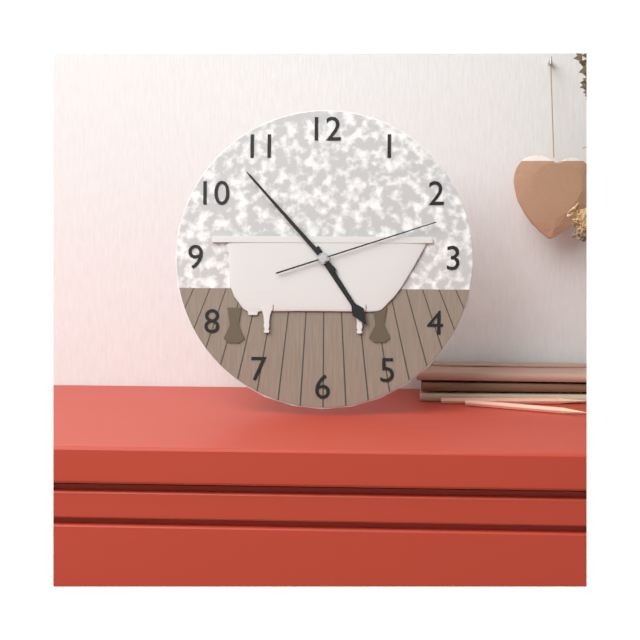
4:53:12
